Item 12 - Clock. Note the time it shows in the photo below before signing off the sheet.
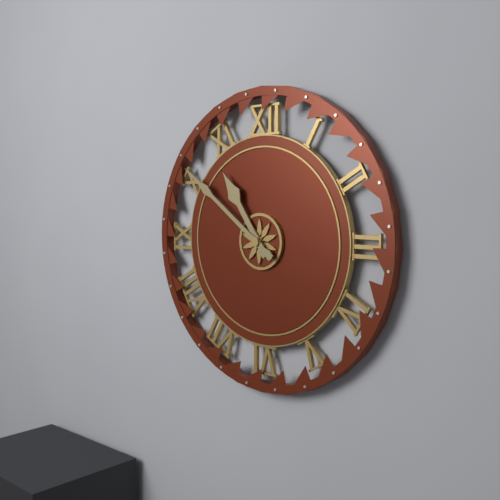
10:51
